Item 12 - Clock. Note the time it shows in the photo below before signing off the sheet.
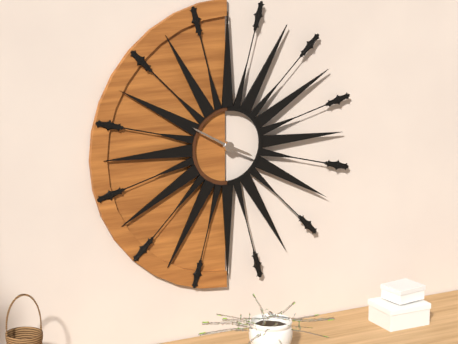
3:50
